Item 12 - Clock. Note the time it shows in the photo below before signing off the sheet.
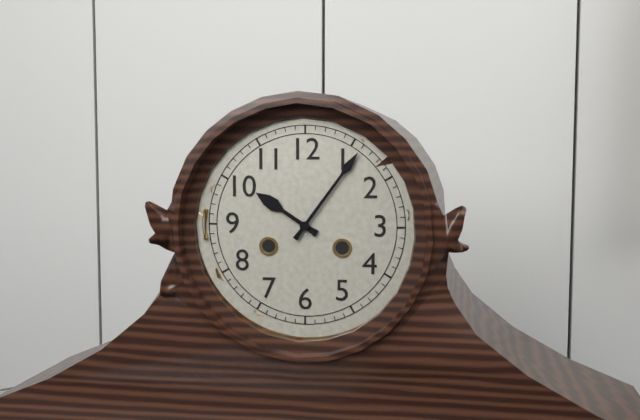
10:06
